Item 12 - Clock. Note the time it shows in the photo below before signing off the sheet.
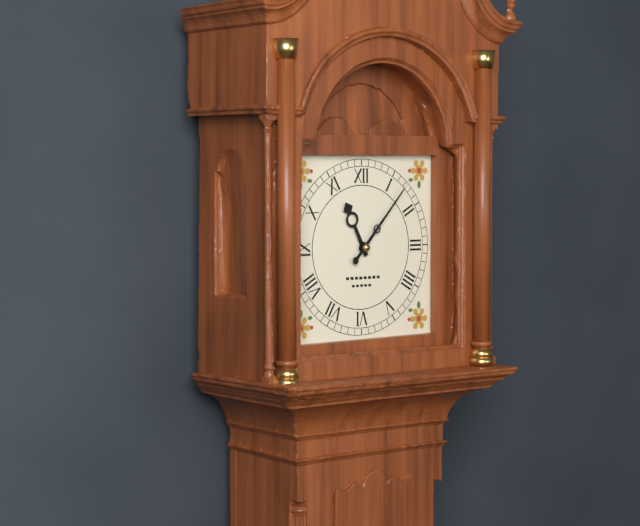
11:07
